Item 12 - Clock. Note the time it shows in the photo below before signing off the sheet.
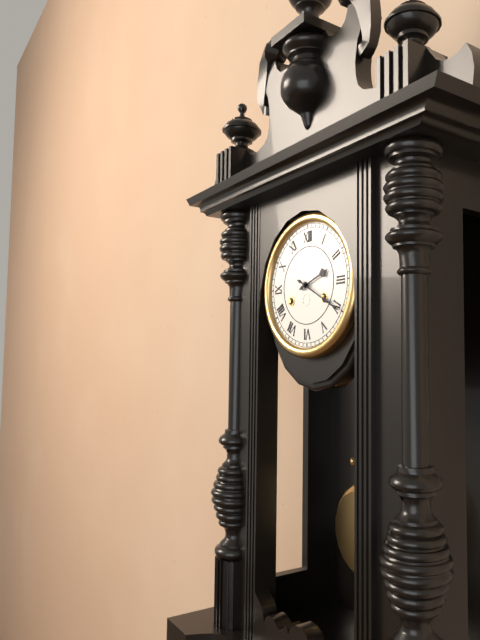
2:20
